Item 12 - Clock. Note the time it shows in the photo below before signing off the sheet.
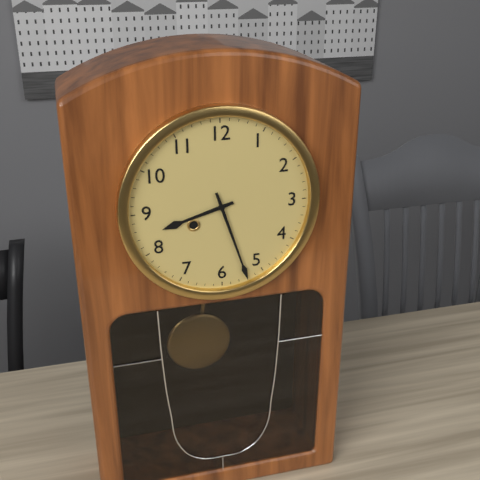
8:27
